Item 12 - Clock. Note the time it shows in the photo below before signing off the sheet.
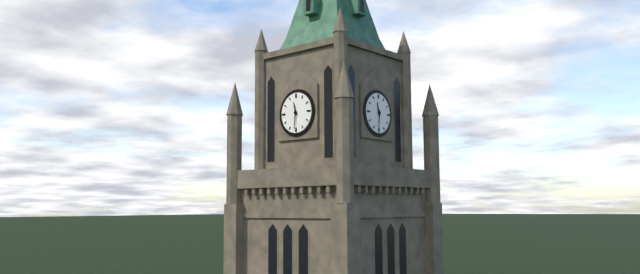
11:31
